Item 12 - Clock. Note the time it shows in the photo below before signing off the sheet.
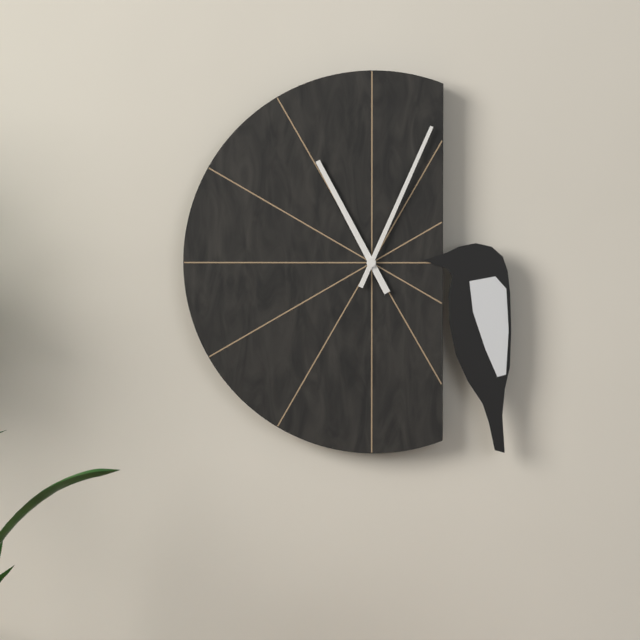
11:04
